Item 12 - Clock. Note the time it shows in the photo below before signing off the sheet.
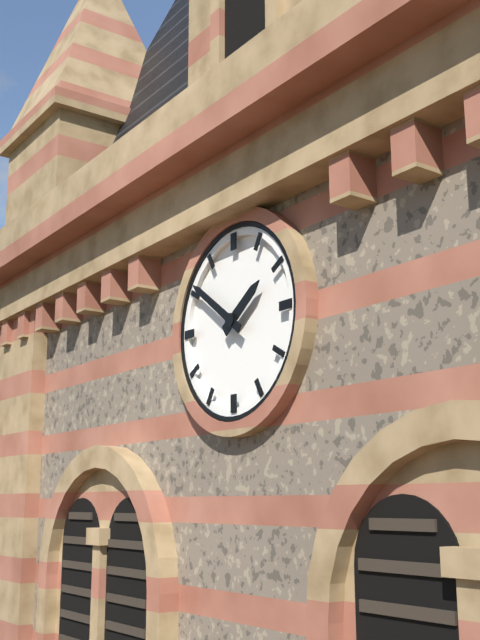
1:51
